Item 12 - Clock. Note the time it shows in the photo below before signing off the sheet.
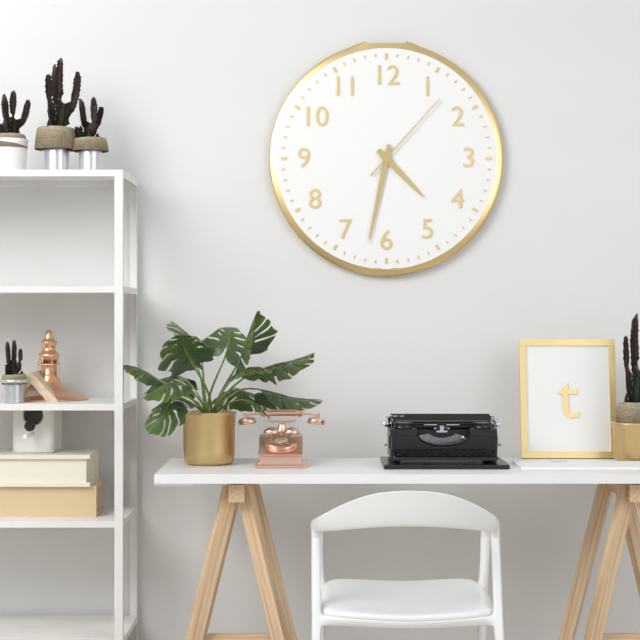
4:32:07
